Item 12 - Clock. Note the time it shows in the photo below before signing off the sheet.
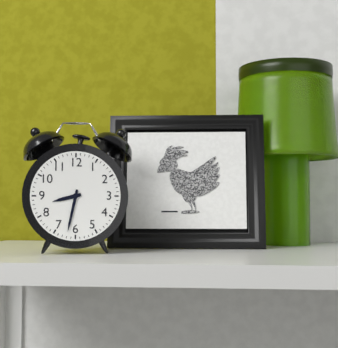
8:32
